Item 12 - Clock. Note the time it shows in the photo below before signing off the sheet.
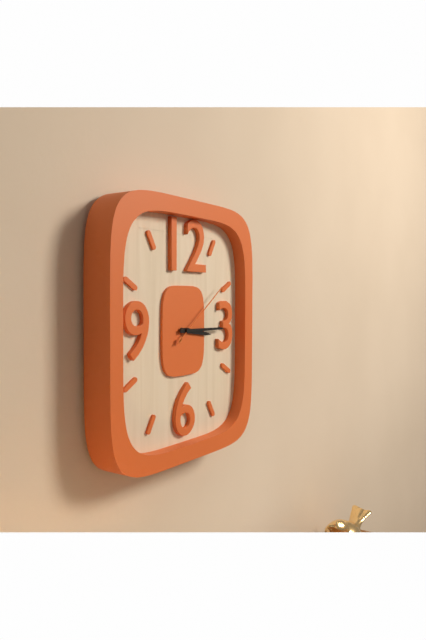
3:15:09
